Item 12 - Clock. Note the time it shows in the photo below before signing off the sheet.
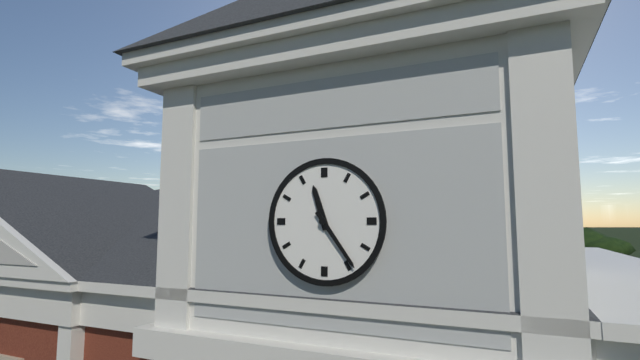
11:24
